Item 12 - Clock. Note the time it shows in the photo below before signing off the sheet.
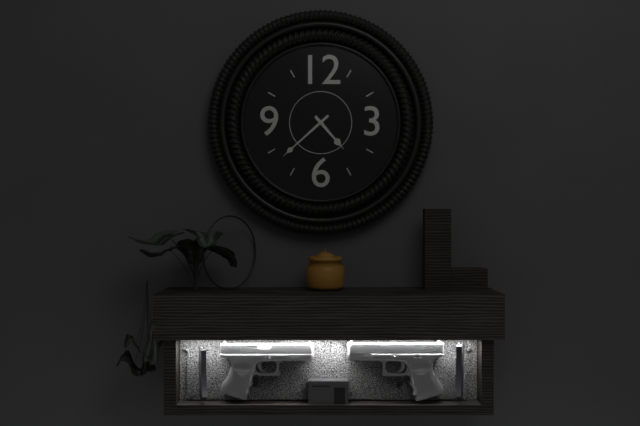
4:38
